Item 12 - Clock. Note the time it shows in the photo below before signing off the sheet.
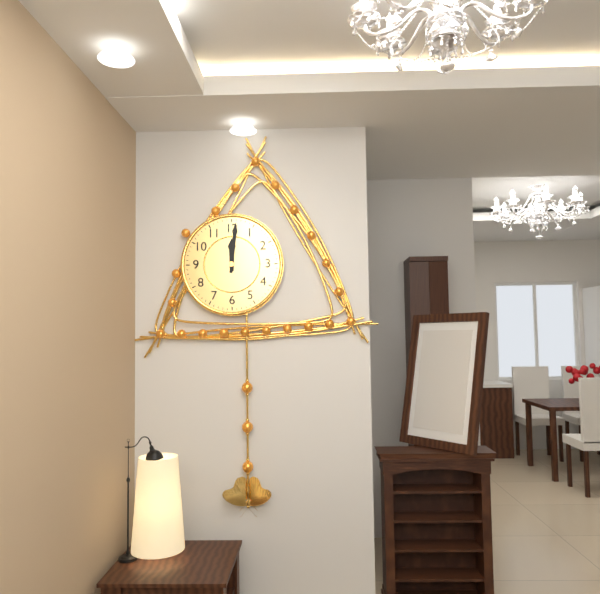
12:01
